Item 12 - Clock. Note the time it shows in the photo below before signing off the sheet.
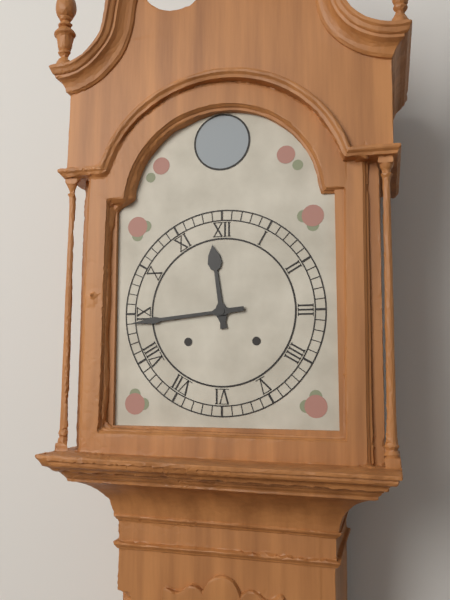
11:44
